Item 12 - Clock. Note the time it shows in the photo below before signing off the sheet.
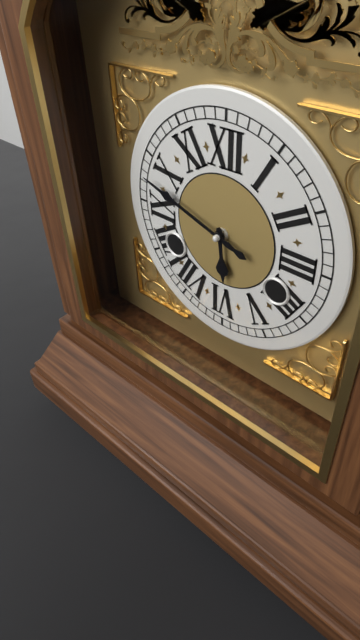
5:48
